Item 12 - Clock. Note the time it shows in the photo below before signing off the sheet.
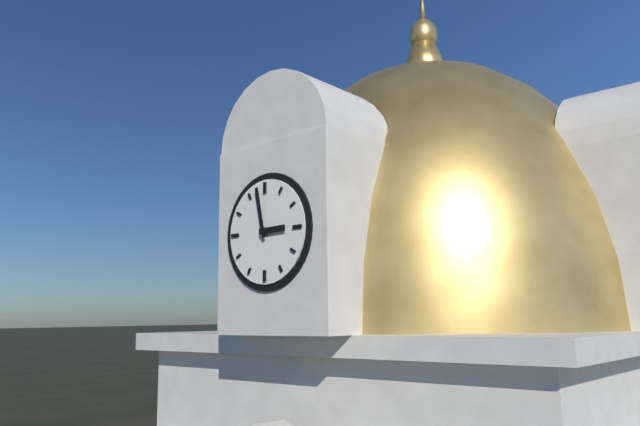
2:58
